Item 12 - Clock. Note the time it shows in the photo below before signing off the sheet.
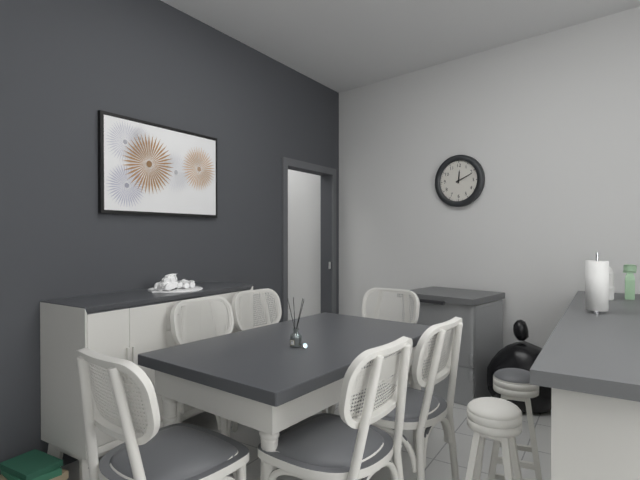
12:11
